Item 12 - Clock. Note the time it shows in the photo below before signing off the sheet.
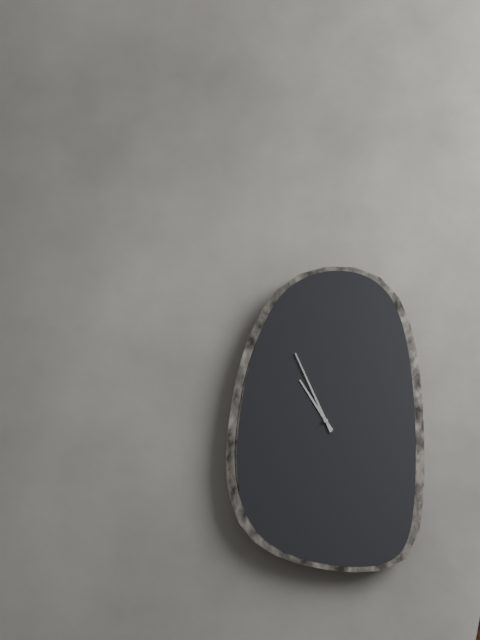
10:56
